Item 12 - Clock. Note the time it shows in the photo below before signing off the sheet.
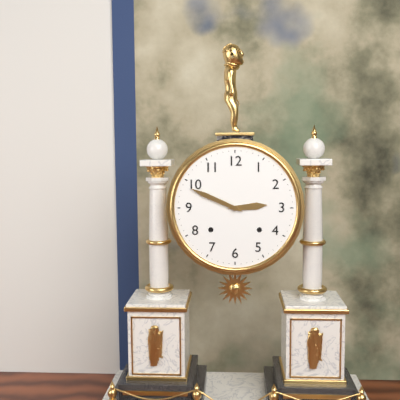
2:49
